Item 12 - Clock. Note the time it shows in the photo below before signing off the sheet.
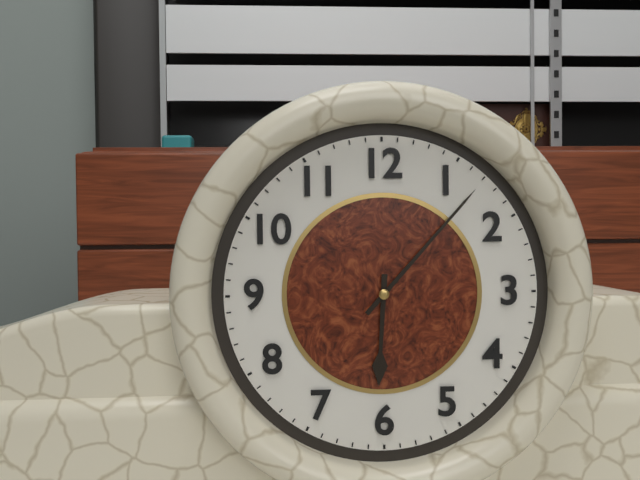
6:07
